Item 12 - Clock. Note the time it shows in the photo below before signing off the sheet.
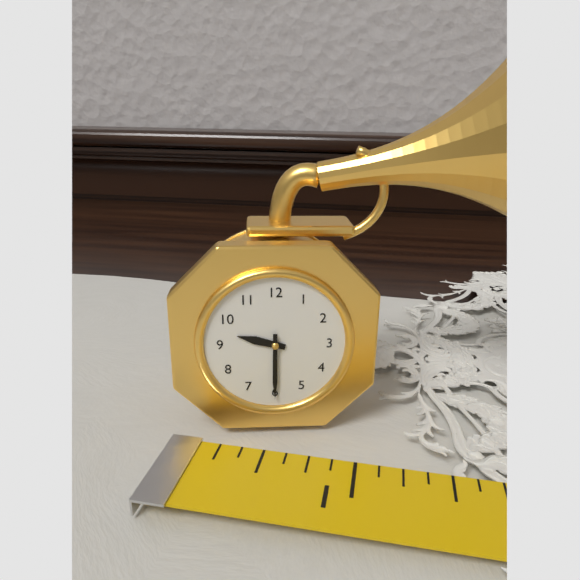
9:30
